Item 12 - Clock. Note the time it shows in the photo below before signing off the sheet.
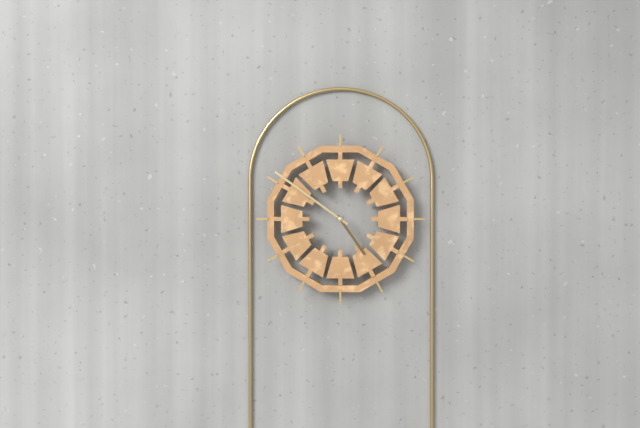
4:51
